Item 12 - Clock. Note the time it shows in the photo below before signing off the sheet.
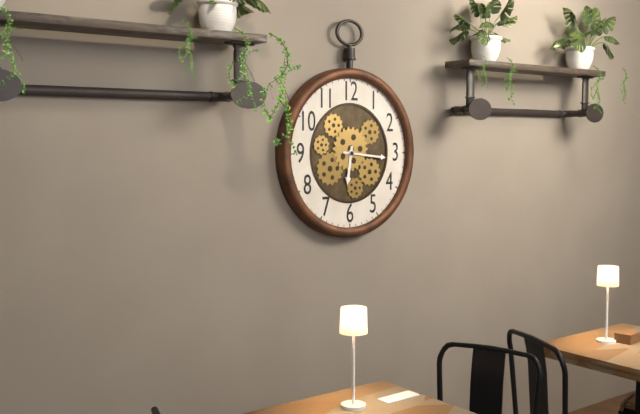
6:16
